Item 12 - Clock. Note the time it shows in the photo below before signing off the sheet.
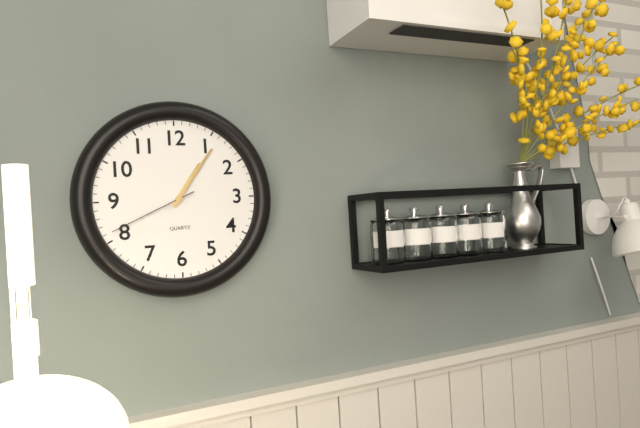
1:06:41
